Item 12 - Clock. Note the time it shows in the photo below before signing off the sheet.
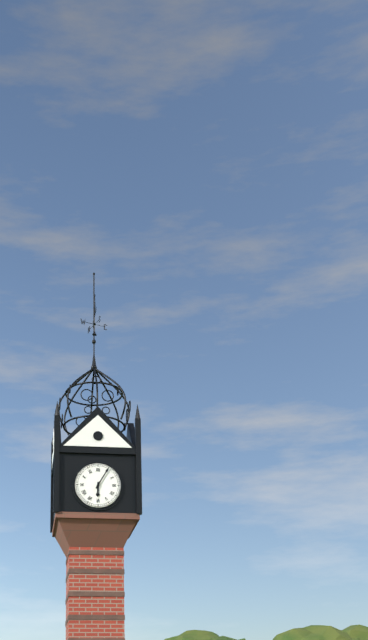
6:05
